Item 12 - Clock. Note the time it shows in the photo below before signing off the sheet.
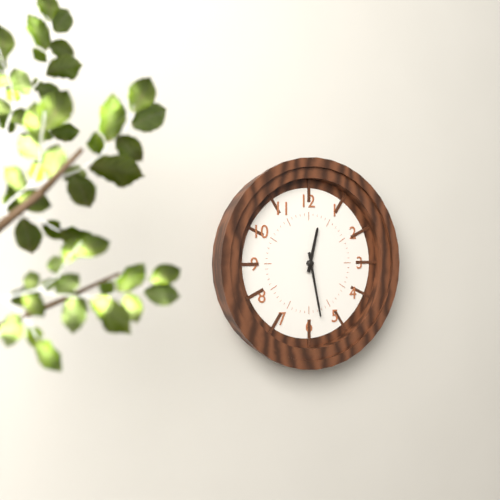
12:28
